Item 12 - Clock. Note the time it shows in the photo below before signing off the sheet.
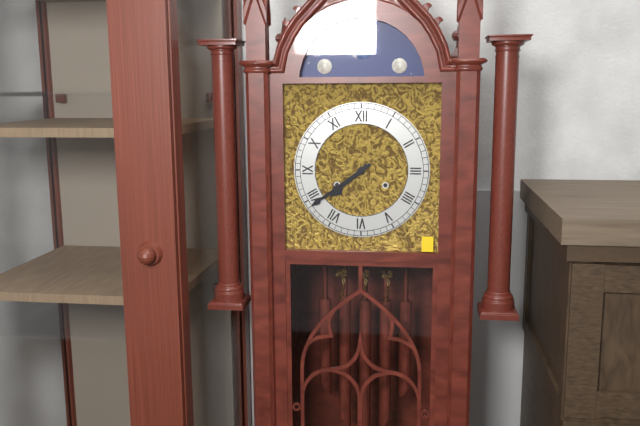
7:39
